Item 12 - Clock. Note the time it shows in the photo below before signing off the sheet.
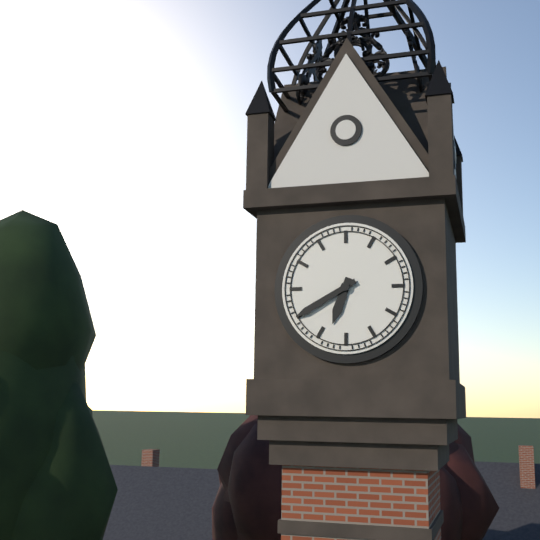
6:40
